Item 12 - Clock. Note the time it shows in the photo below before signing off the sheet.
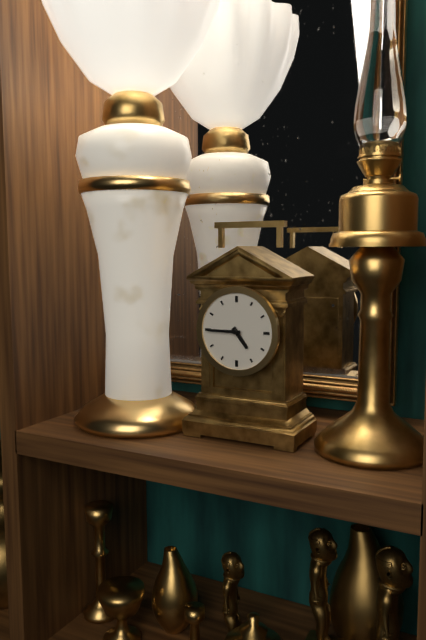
4:45
